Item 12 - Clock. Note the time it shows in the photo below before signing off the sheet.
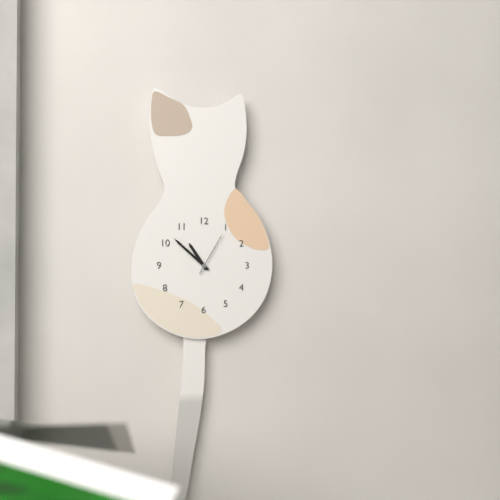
10:52
